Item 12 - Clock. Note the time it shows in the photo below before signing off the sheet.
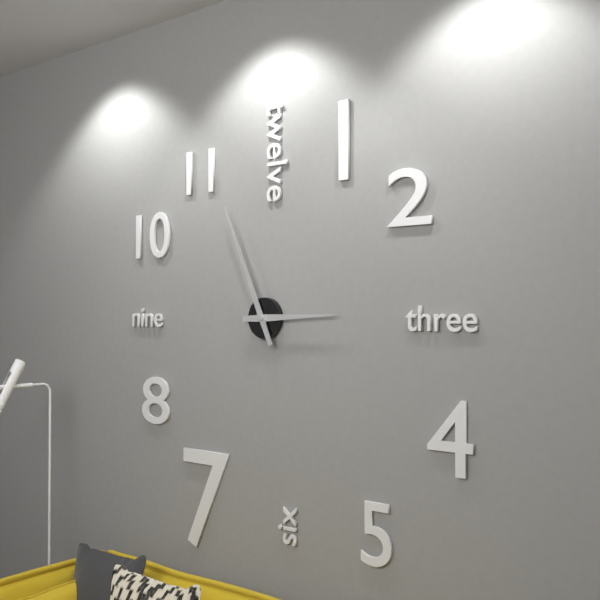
2:56
